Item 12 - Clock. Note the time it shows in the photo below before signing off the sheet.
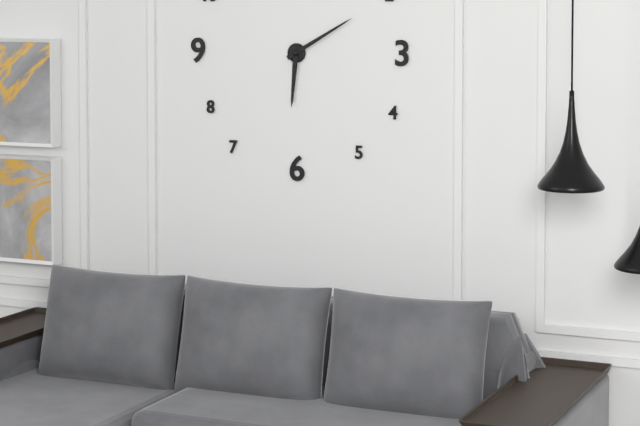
6:10
